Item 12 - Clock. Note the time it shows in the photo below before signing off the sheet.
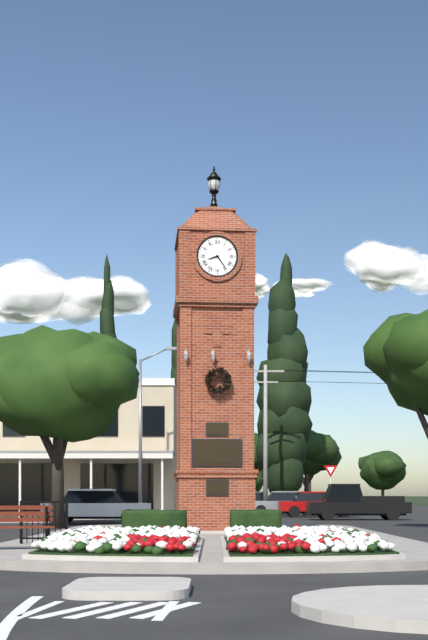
8:24
